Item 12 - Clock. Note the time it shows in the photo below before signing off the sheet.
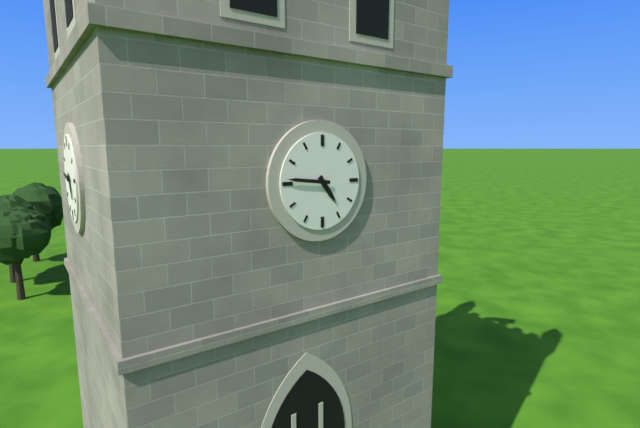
4:46
